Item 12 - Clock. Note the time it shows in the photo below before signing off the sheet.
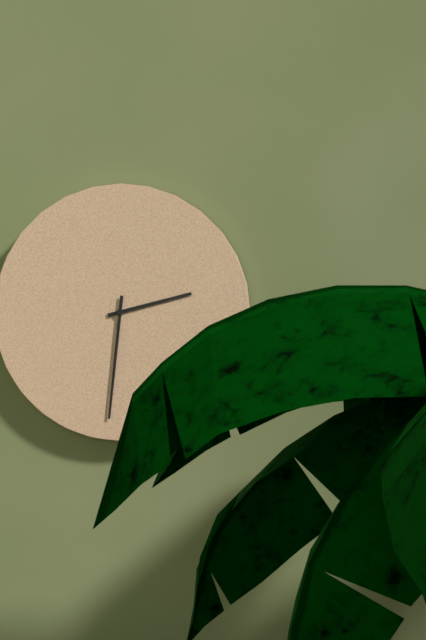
2:31
